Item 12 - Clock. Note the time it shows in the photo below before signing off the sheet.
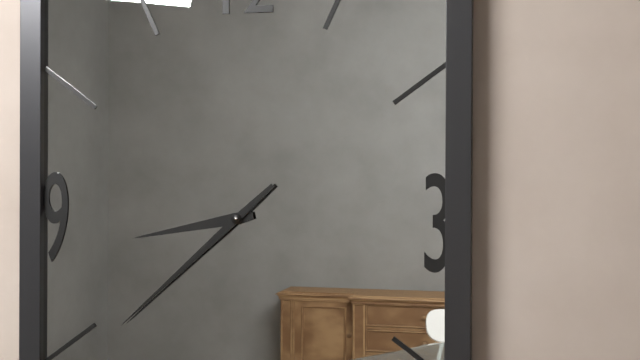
8:38
